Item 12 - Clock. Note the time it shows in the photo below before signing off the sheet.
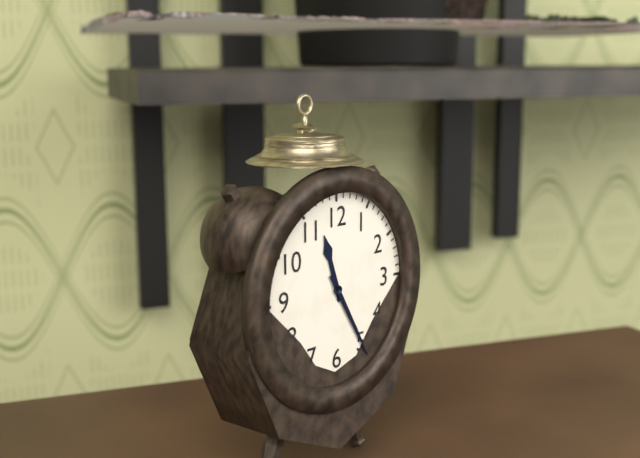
11:25
